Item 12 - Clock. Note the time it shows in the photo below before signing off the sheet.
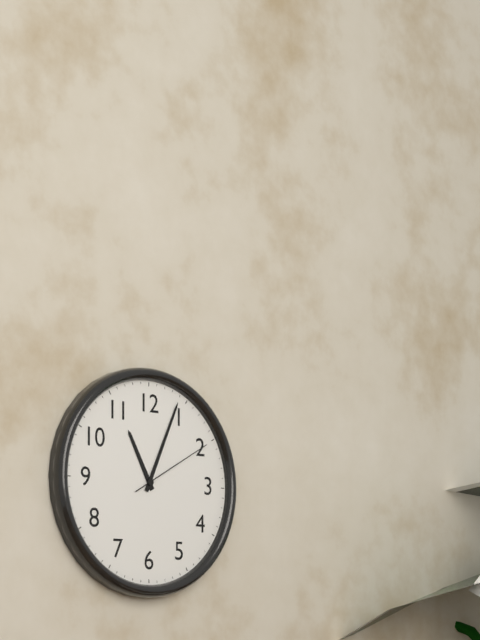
11:04:10
